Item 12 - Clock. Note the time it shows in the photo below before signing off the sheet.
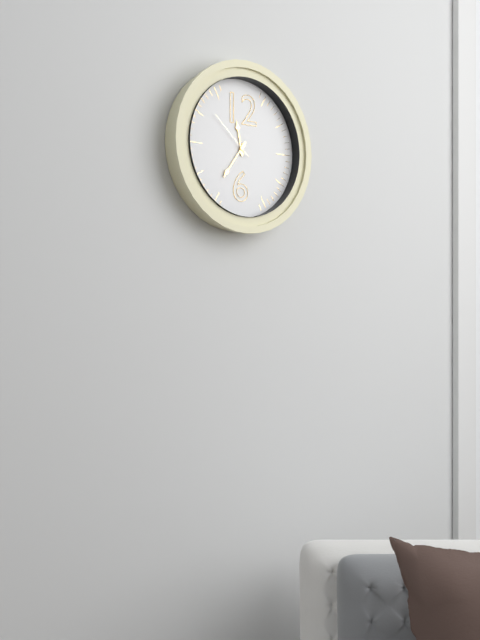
11:36:52
